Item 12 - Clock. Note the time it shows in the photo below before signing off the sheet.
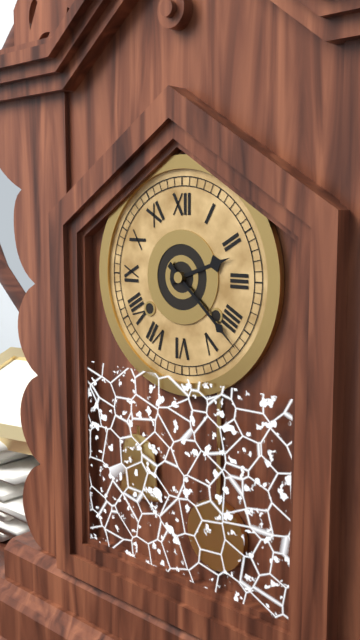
2:22
